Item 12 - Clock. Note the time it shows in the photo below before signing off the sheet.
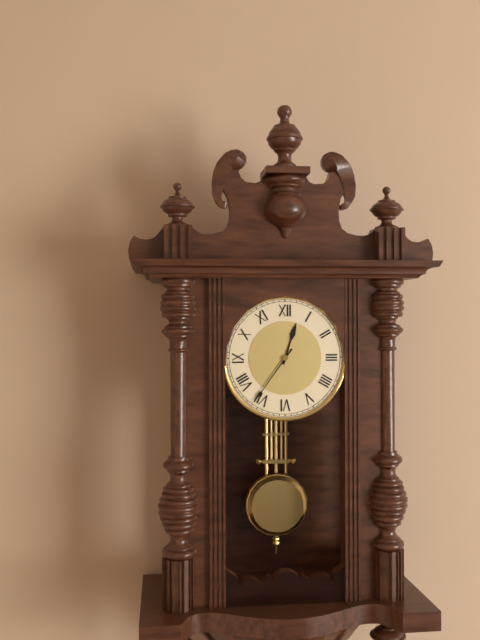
12:36
